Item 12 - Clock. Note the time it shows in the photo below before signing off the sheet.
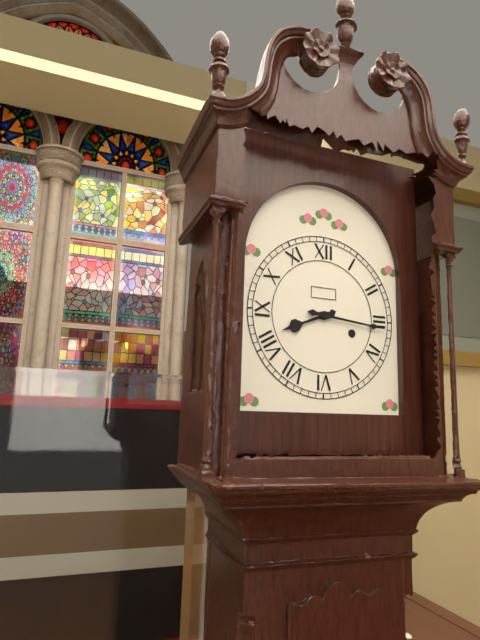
8:16
